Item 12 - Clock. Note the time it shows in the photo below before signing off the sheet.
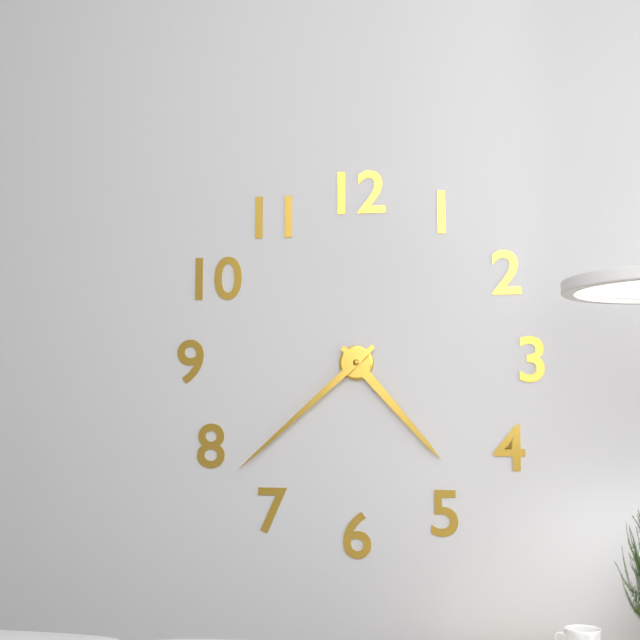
4:38
